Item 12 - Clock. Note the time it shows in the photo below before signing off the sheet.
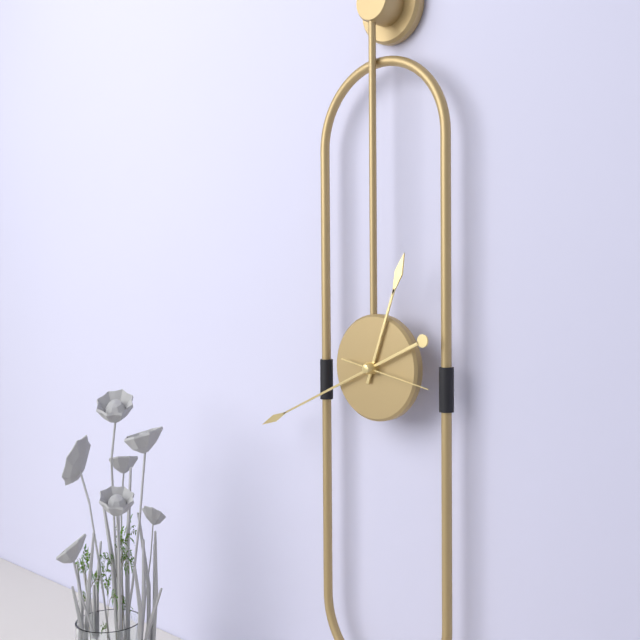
12:41
